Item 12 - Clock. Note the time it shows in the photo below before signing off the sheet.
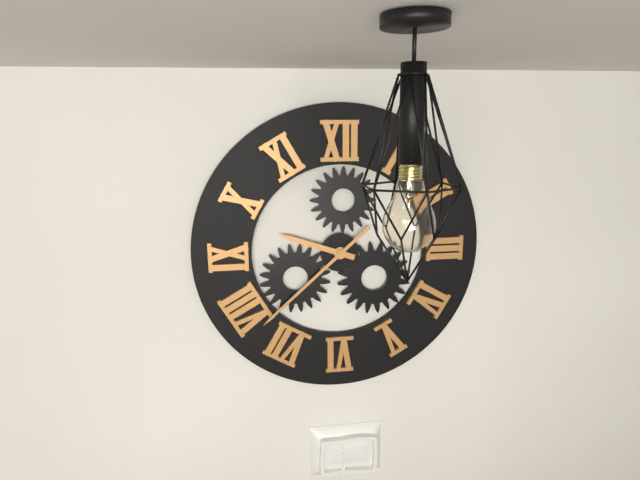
9:38
